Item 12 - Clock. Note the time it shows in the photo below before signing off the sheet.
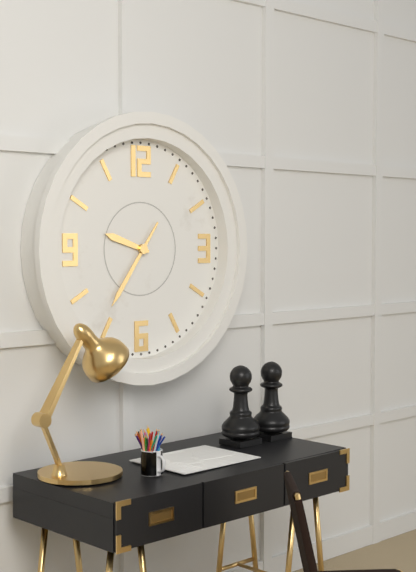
9:36
